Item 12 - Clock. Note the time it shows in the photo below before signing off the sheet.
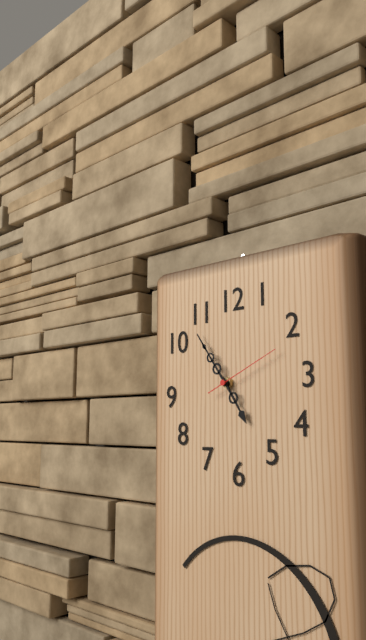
4:54:11
